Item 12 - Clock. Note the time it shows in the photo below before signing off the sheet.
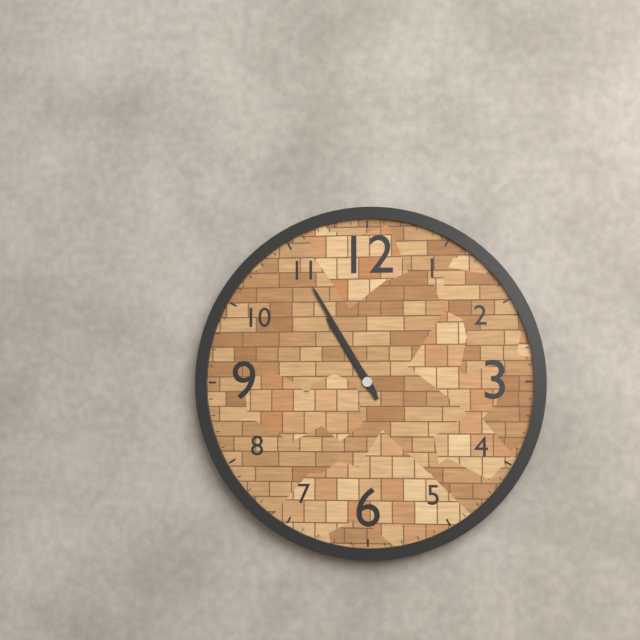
10:55
